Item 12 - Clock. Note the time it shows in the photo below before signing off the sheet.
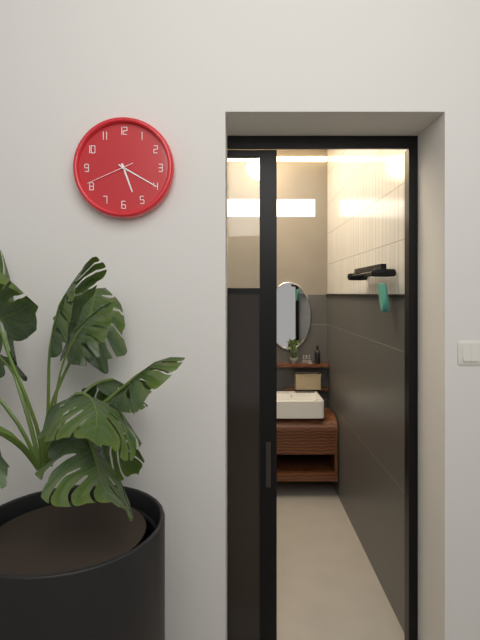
5:20:41
